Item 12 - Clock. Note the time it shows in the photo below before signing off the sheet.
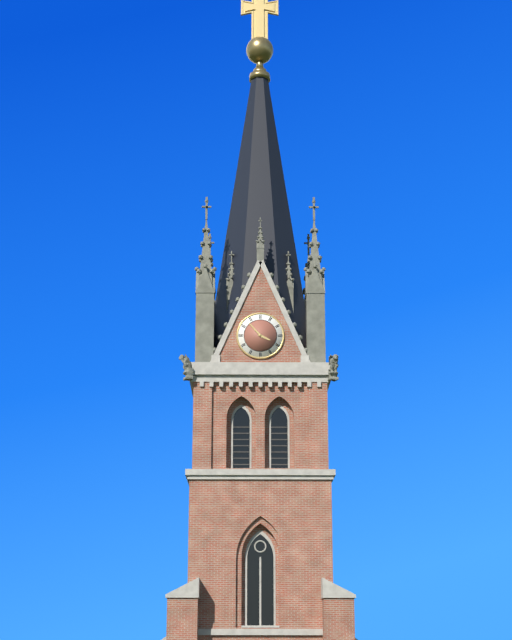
3:53
